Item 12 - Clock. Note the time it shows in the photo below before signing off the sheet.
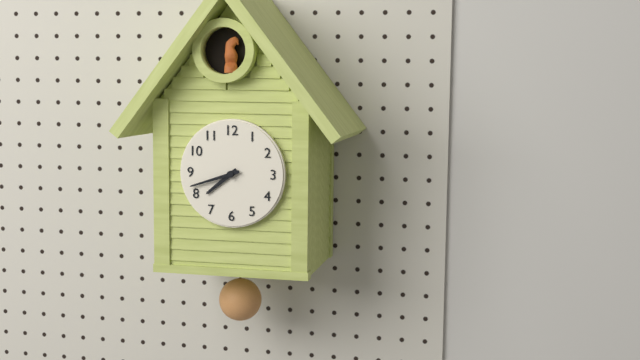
7:42
